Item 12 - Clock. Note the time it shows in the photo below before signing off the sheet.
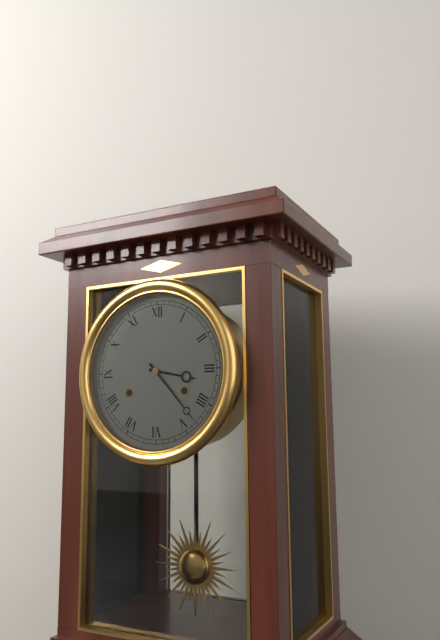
3:23
